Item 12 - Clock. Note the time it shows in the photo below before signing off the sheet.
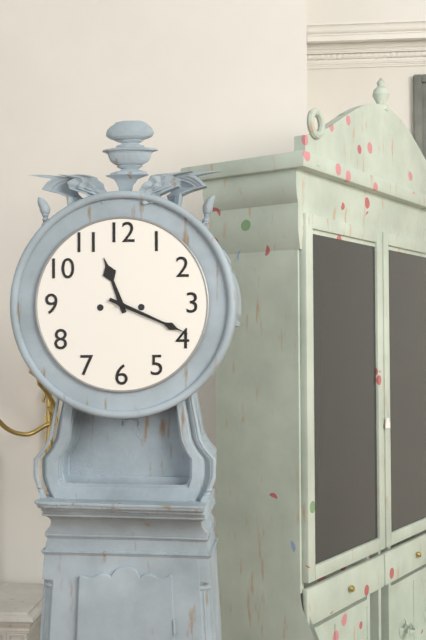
11:19
